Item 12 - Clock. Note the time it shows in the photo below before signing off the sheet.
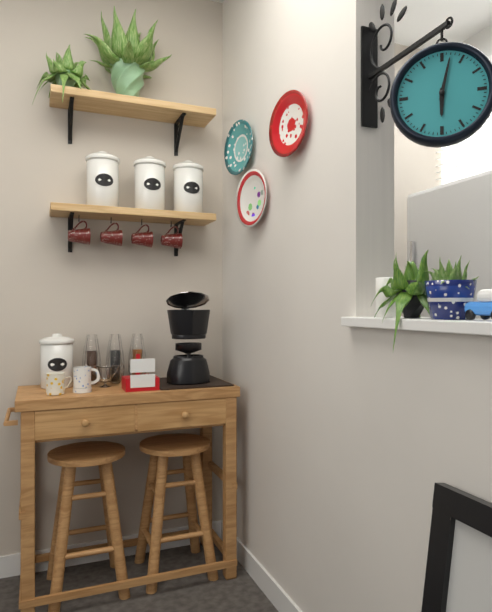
6:02
